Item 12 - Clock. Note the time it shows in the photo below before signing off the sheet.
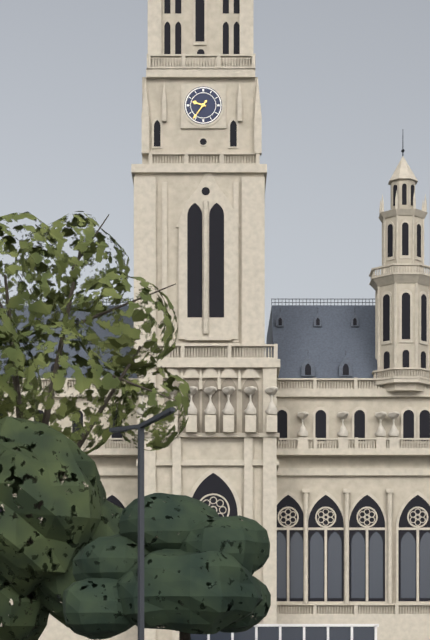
9:36
